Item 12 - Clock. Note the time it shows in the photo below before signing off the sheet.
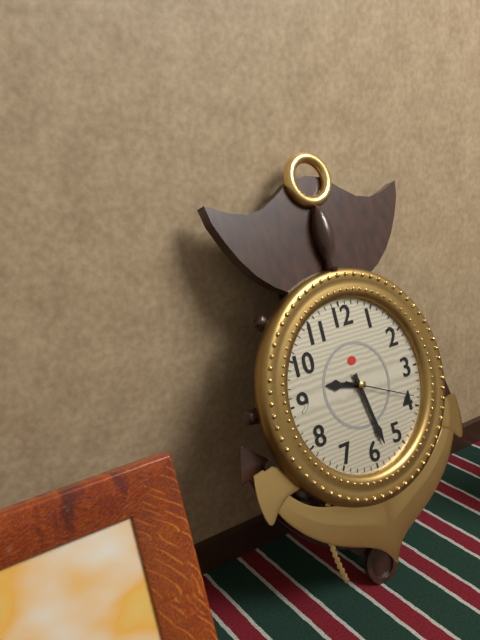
9:28:19
